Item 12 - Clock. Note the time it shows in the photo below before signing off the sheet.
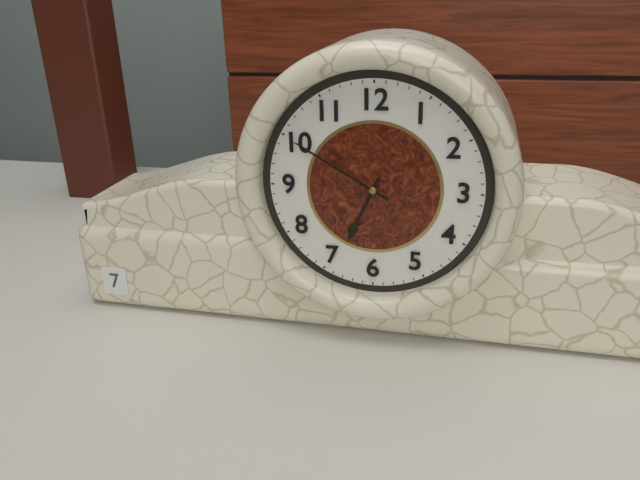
6:50
